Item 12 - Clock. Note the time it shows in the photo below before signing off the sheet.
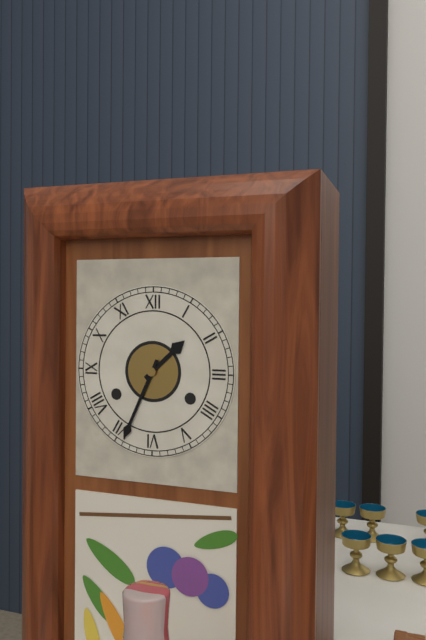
1:34
